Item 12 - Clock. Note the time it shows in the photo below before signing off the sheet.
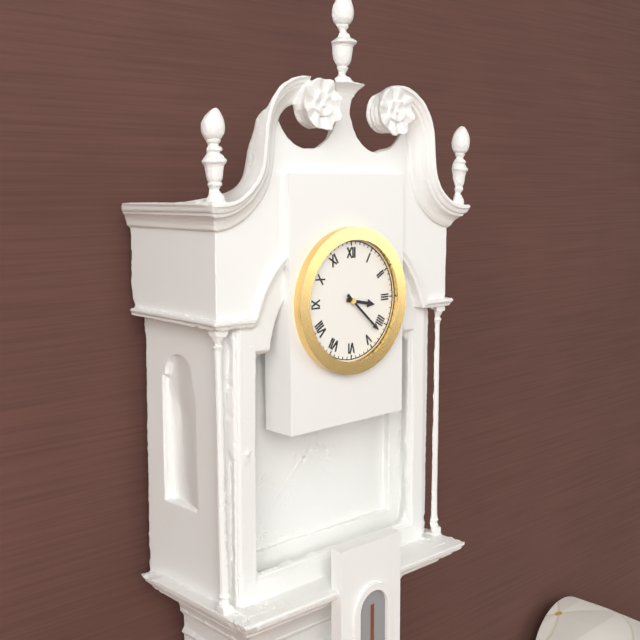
3:22
